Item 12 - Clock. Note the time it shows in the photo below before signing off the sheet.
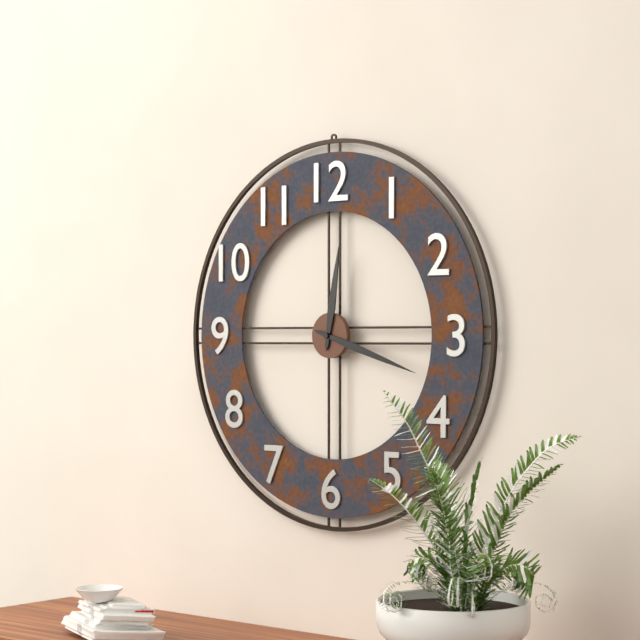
12:18
